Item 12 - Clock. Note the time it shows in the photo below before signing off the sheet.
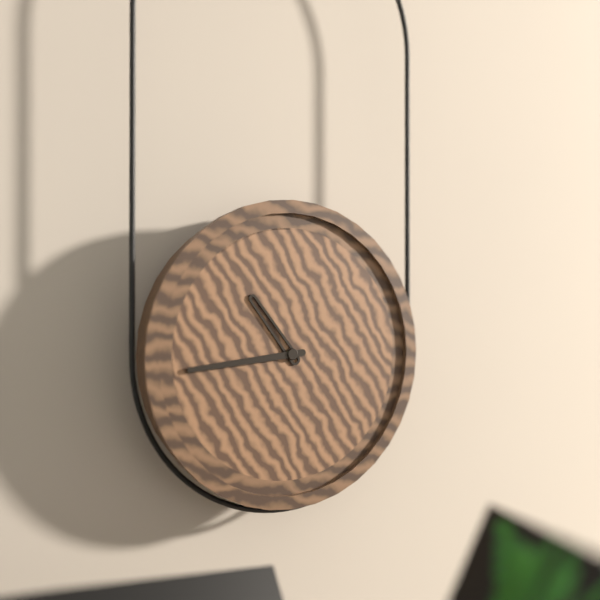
10:44
